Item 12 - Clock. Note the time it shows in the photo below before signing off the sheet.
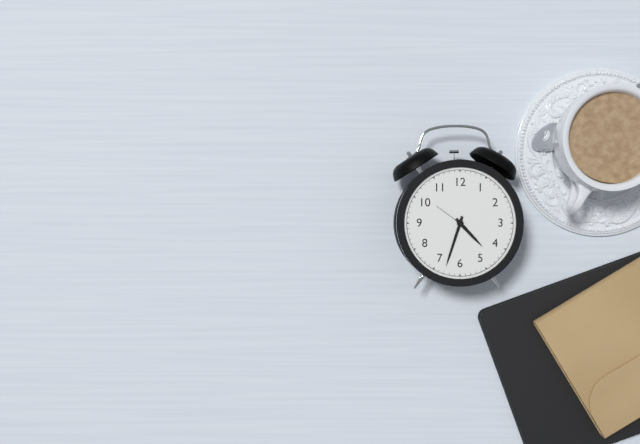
4:33
